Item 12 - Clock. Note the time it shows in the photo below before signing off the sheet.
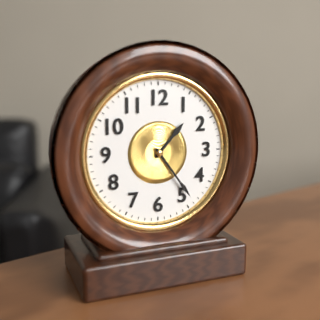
1:24
